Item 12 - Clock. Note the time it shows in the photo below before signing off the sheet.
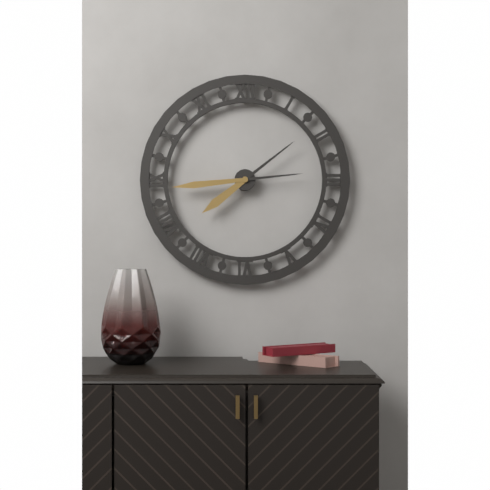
7:44
